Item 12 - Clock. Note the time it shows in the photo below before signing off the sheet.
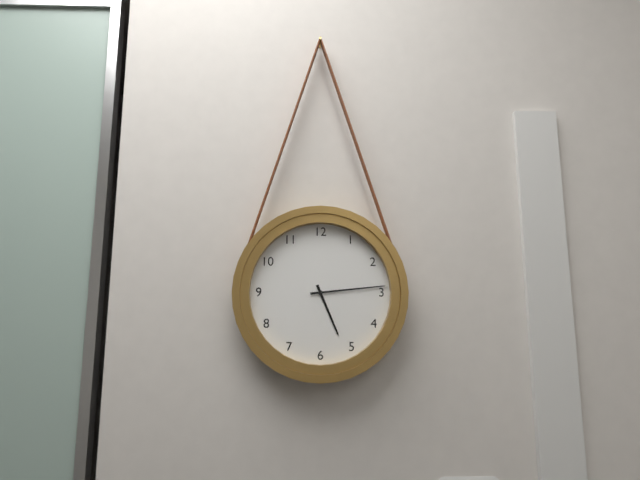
5:14
